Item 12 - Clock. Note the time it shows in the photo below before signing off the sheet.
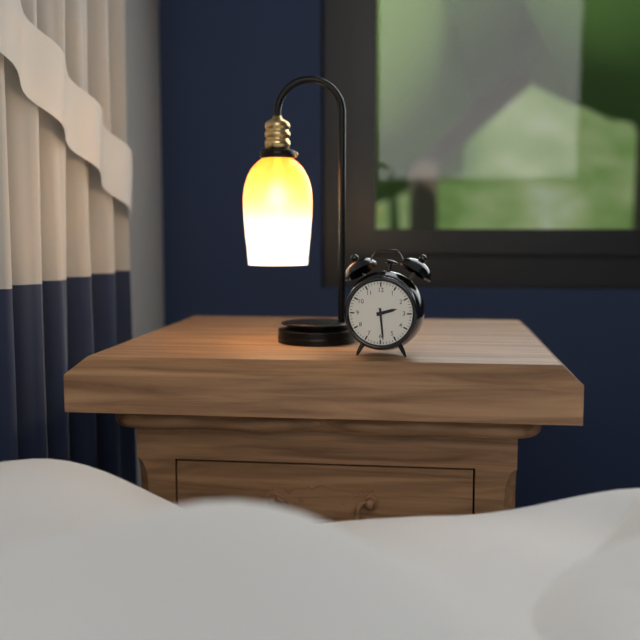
2:29
